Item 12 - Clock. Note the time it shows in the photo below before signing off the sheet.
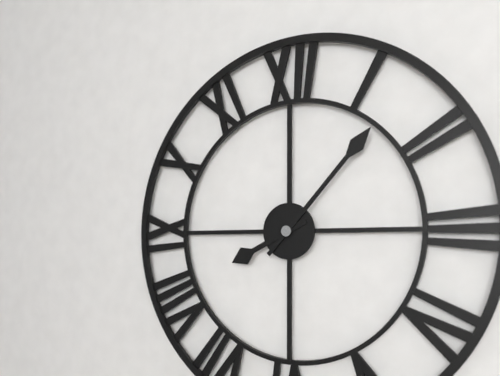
8:07
